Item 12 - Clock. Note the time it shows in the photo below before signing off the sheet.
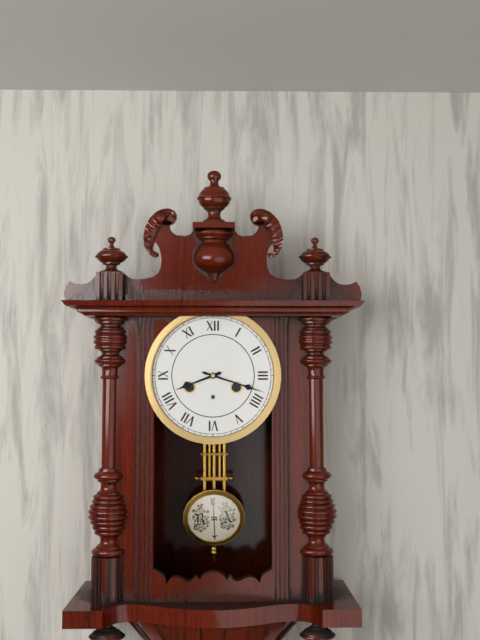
8:18
